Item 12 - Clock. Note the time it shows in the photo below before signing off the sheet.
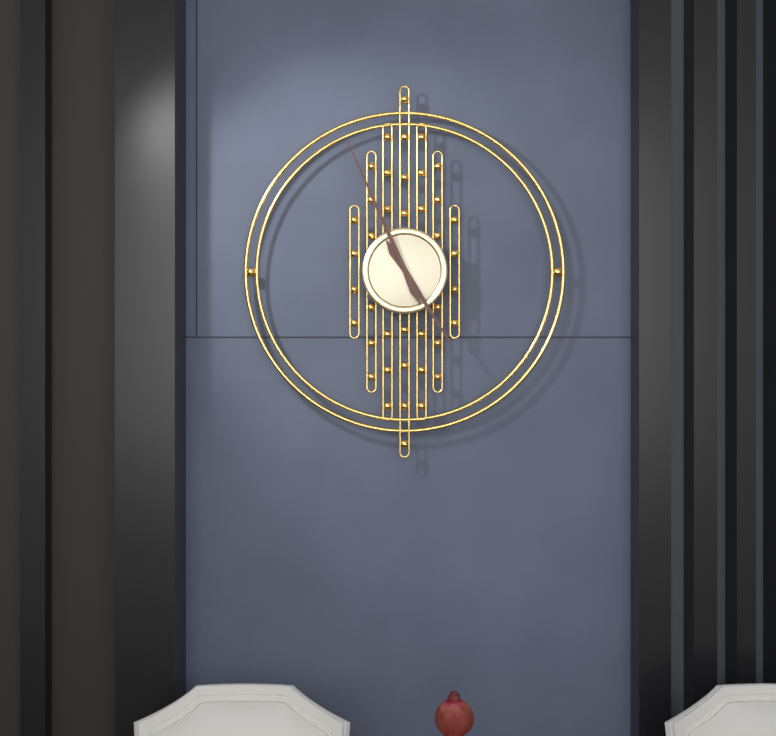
4:56
